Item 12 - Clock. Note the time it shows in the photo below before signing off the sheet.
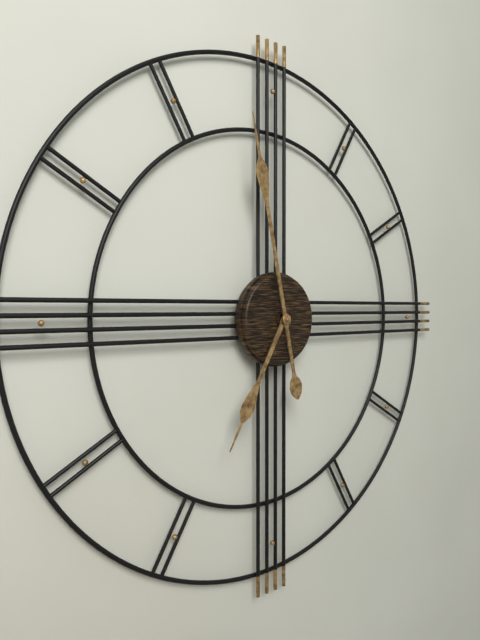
6:58
